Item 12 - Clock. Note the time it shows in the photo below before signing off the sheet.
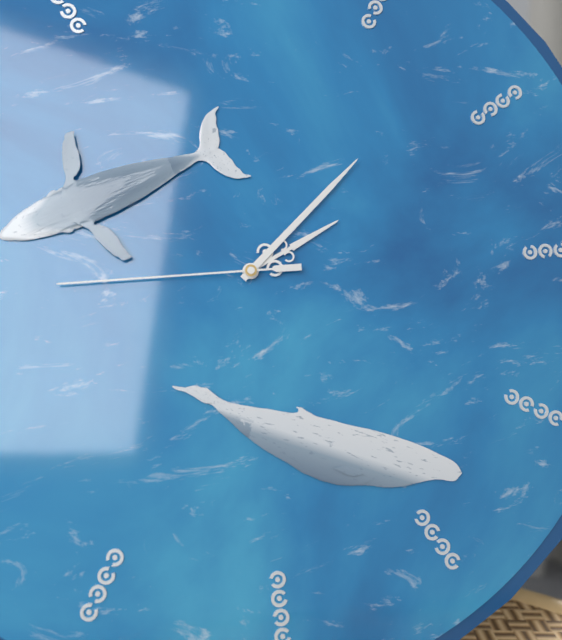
2:08:45
